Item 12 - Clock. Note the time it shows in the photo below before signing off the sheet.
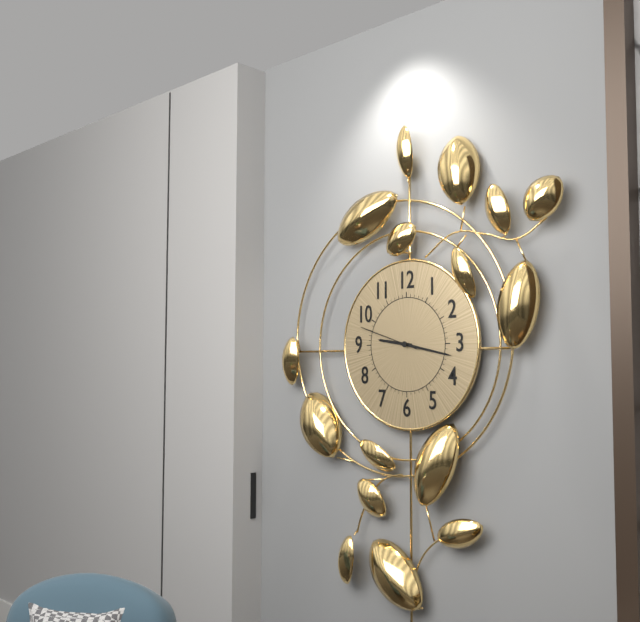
9:17:48
